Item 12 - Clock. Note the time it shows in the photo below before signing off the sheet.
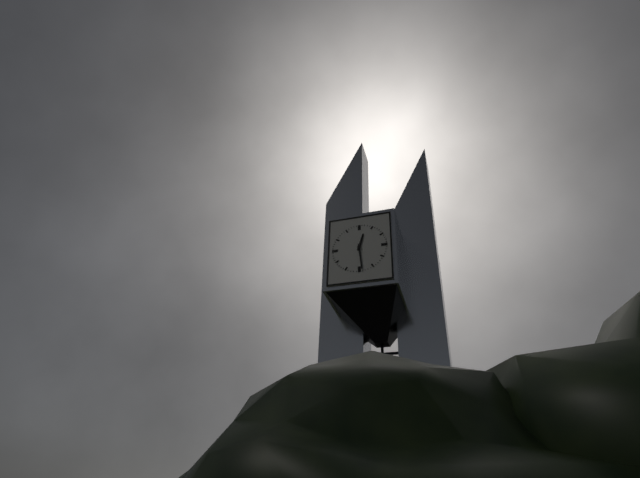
12:29
